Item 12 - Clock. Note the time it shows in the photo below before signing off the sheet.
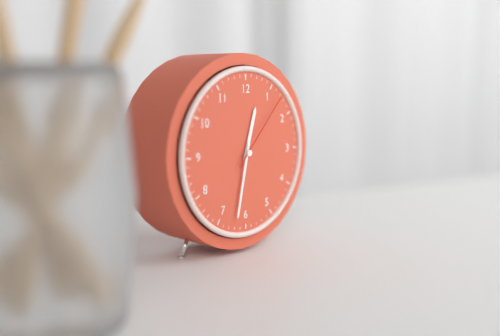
12:32:07
